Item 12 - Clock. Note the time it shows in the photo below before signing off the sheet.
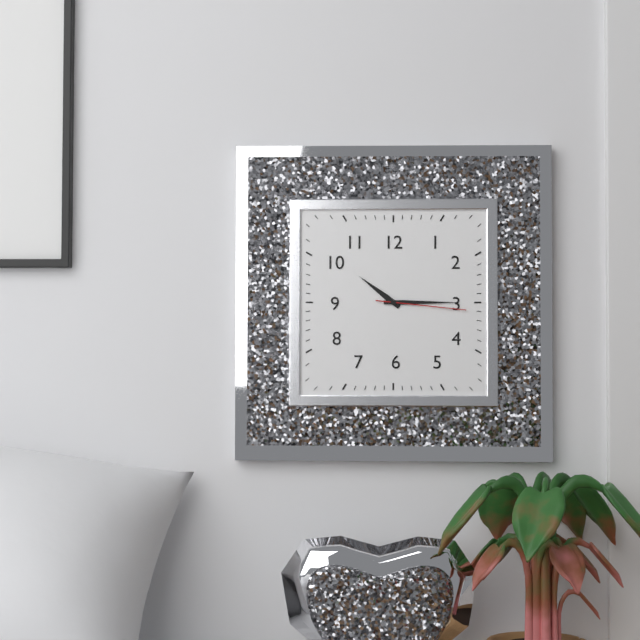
10:15:16
